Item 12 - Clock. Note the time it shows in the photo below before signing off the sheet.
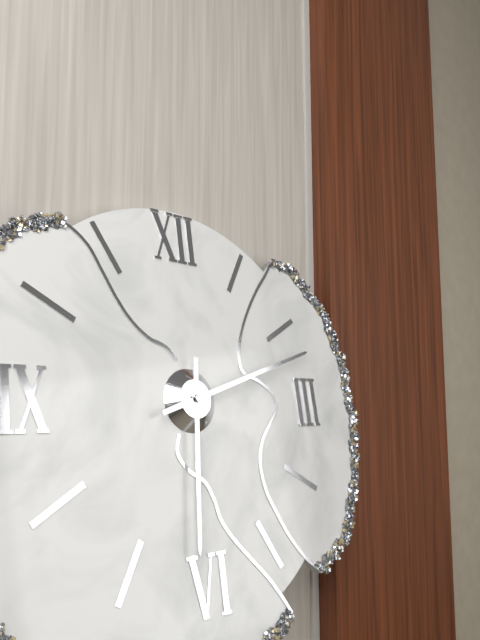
6:12
